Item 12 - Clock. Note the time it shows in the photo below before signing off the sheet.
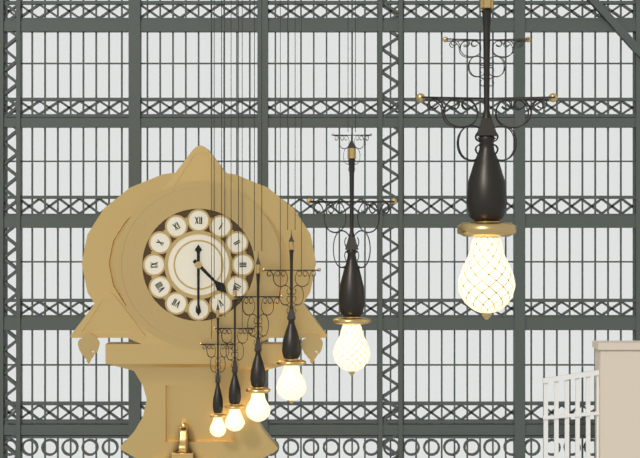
4:30
